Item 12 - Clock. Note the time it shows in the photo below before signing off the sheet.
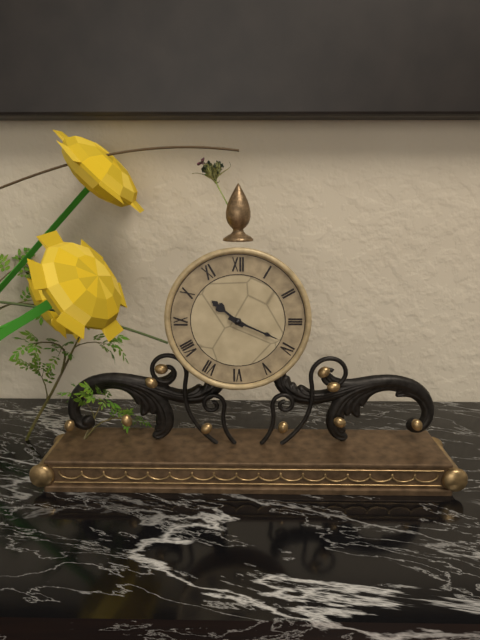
10:19
